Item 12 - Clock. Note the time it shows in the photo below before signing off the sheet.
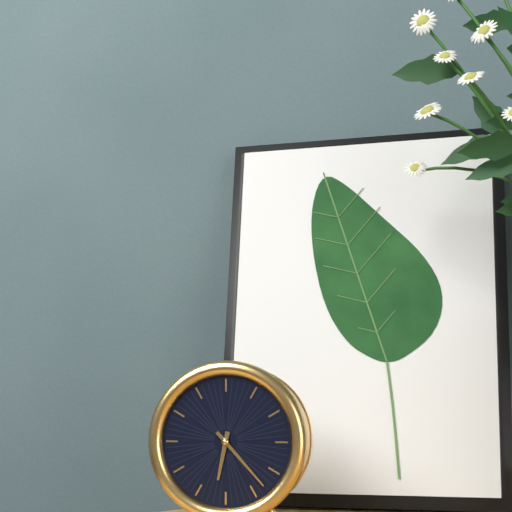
6:23
